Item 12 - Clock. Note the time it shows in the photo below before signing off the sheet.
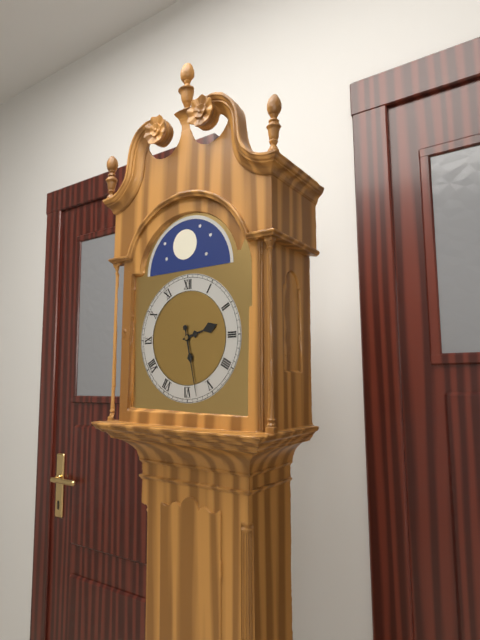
2:28
